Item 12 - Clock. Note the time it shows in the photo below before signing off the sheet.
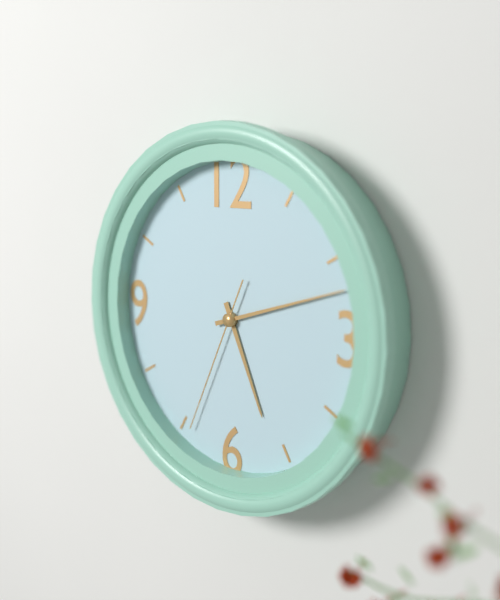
5:12:34
